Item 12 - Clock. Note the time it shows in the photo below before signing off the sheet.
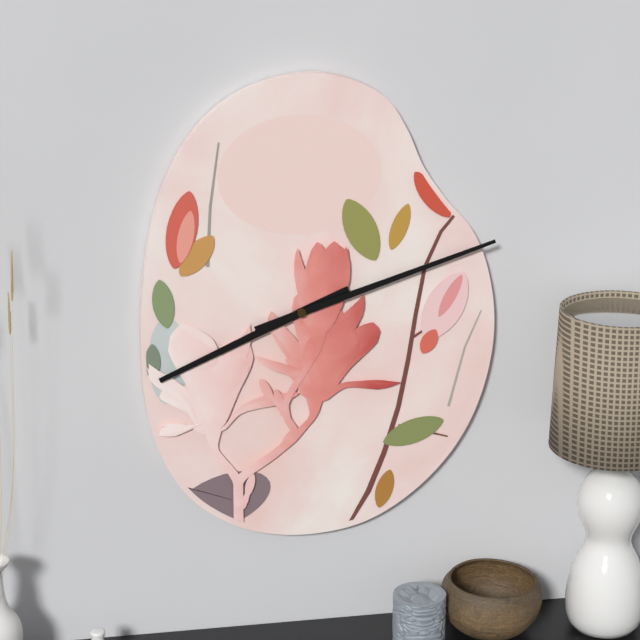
8:12
